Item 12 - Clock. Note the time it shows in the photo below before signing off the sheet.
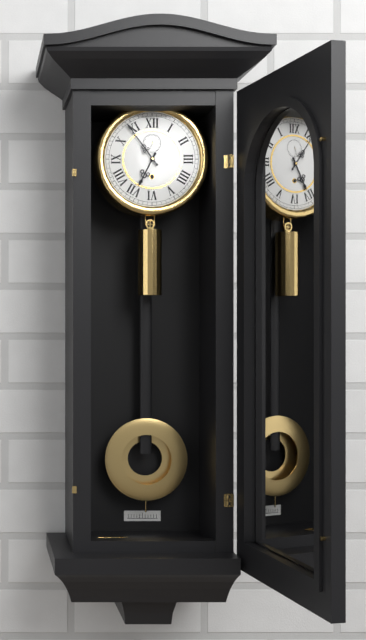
6:54
